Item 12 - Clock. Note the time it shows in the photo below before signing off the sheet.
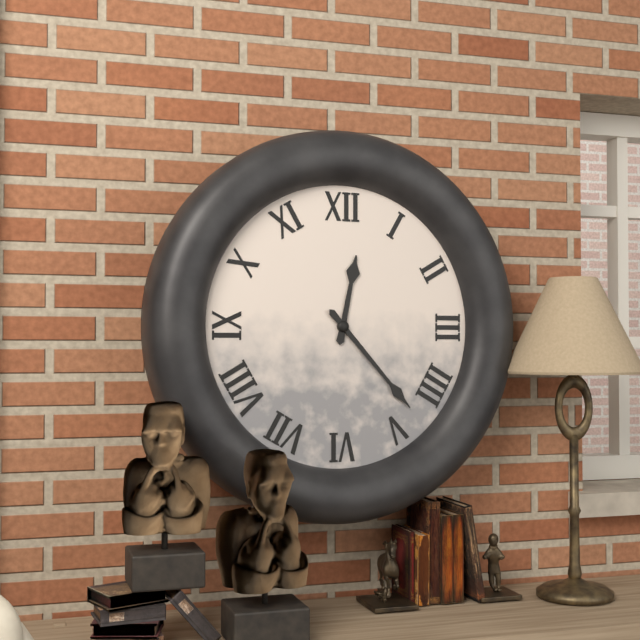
12:23
